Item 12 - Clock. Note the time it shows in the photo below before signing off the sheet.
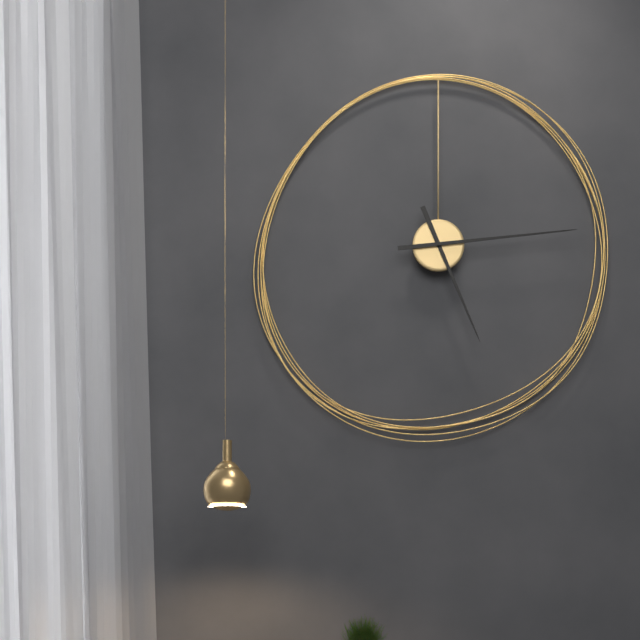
5:14
